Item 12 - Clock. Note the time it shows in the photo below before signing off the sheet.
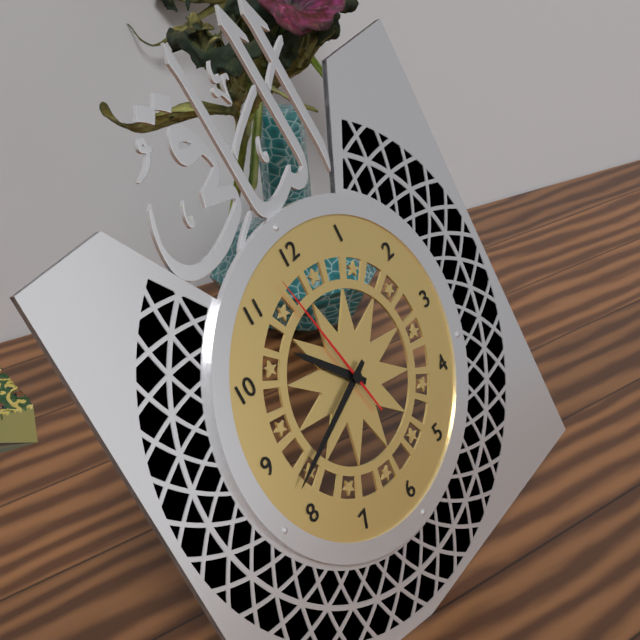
10:42:58
